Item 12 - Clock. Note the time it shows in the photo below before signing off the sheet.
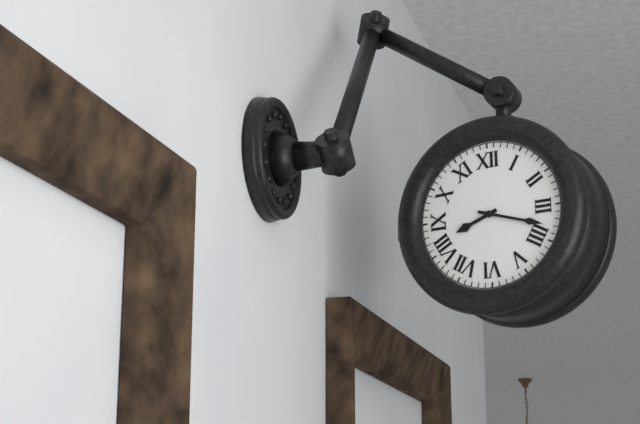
8:18
